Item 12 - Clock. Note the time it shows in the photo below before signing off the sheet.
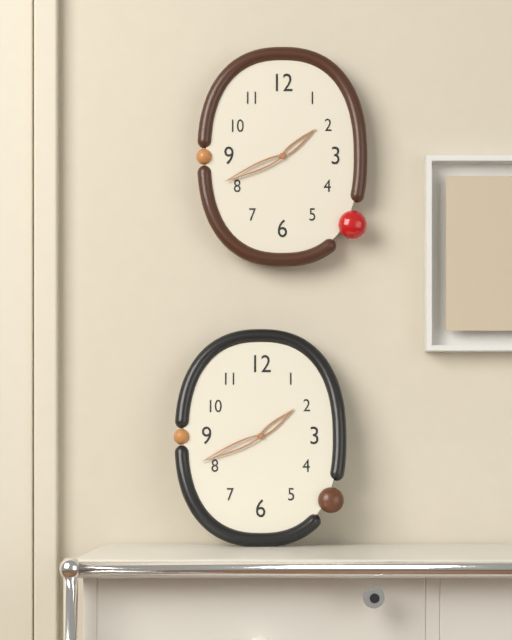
1:41
